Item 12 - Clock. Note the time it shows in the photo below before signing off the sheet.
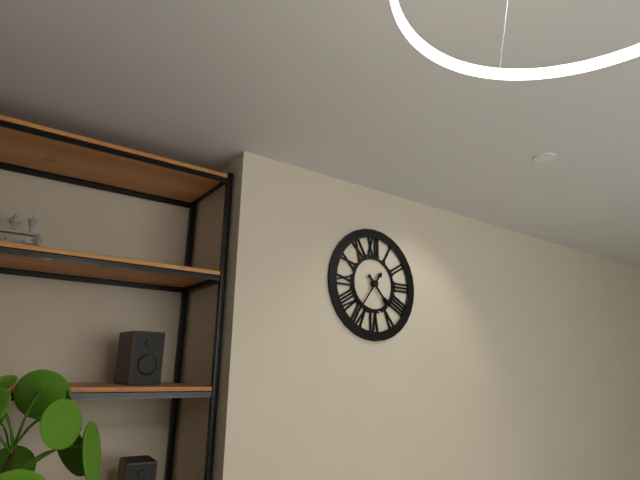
4:36
